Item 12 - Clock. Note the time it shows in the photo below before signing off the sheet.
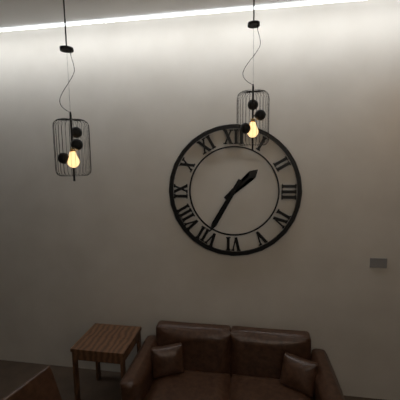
1:35
